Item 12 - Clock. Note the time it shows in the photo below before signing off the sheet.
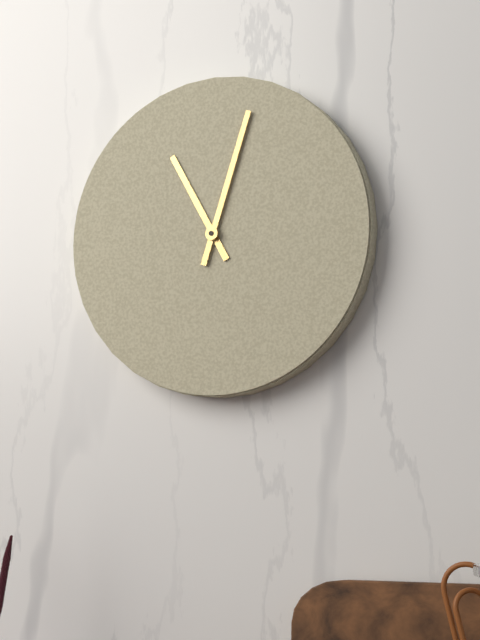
11:03
